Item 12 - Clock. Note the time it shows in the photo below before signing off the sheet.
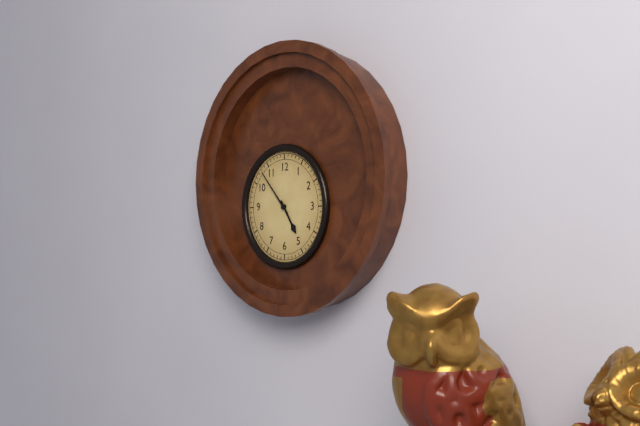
4:53
